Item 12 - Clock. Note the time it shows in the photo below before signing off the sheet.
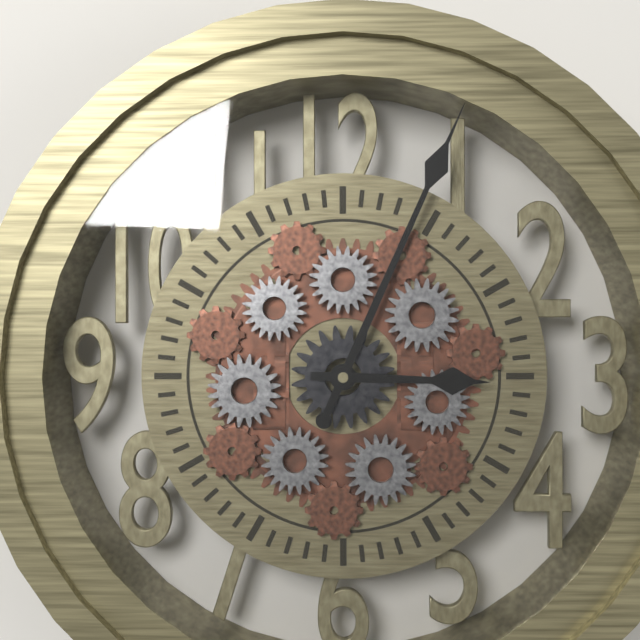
3:04
